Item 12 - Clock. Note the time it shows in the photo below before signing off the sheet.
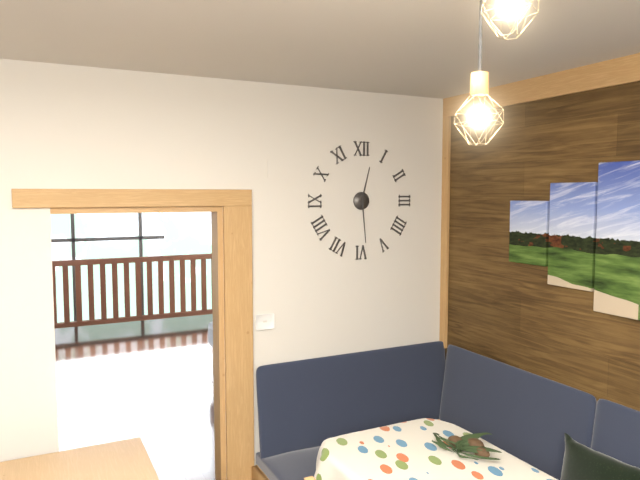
12:29
